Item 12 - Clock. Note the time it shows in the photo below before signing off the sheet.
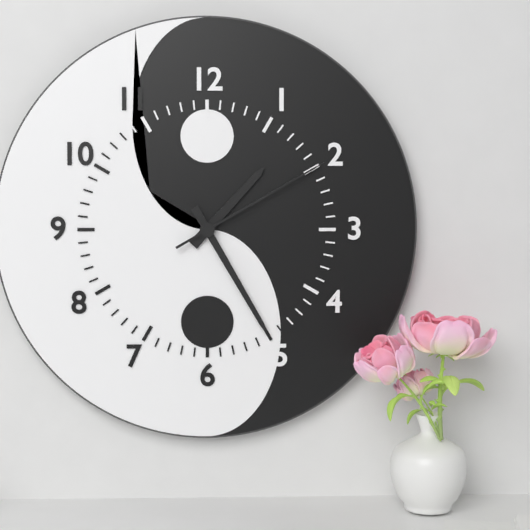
1:25:10
